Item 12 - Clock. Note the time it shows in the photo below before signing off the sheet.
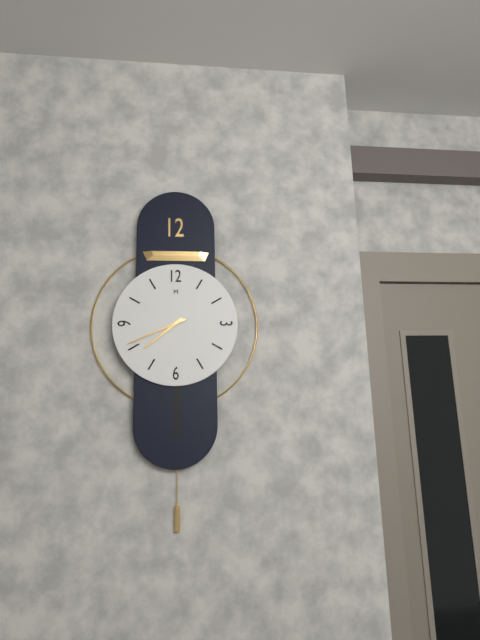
7:41
